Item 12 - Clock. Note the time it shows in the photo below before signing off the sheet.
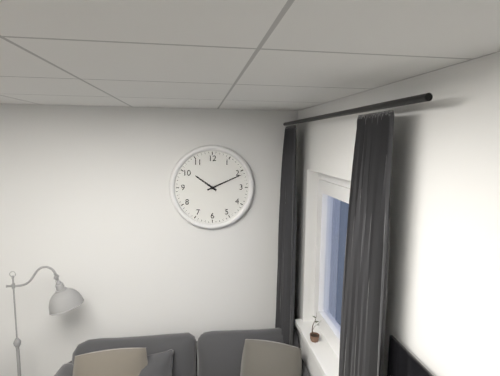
10:11
